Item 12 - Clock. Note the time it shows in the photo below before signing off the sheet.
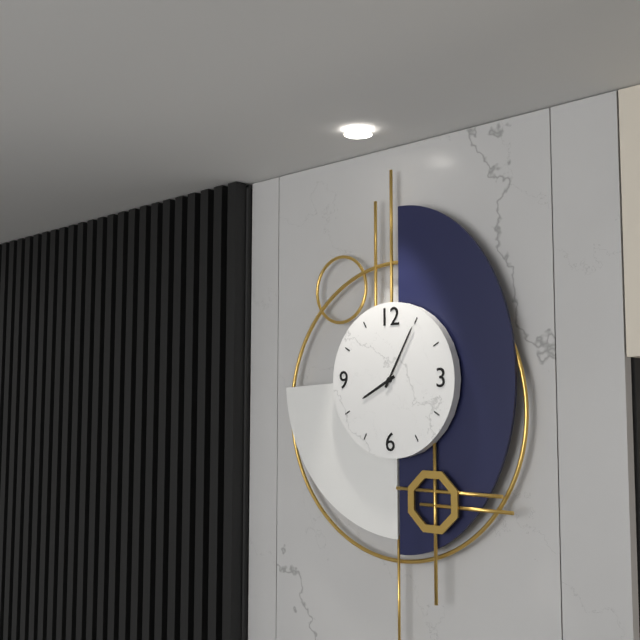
8:05
